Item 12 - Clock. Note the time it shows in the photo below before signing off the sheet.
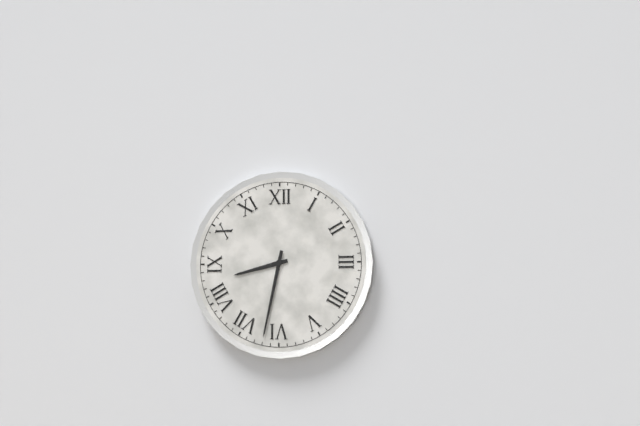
8:32
